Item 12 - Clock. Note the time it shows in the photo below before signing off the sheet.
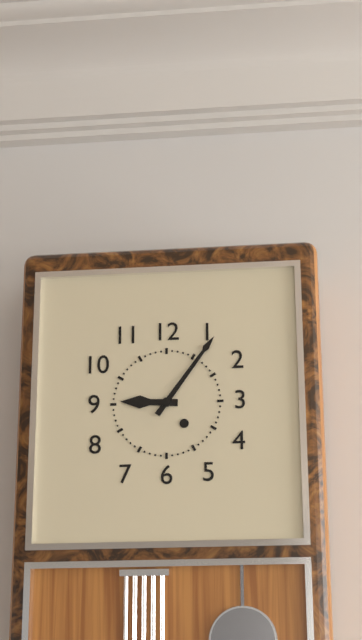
9:06
